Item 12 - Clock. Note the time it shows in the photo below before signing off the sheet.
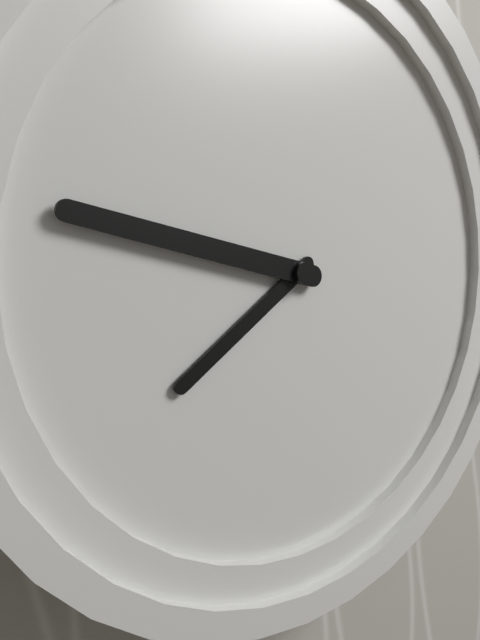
7:47
